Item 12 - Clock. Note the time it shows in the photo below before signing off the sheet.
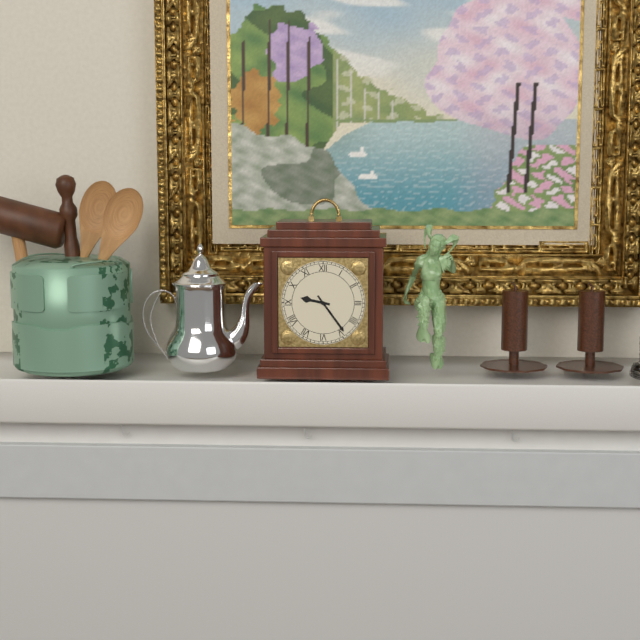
9:24
